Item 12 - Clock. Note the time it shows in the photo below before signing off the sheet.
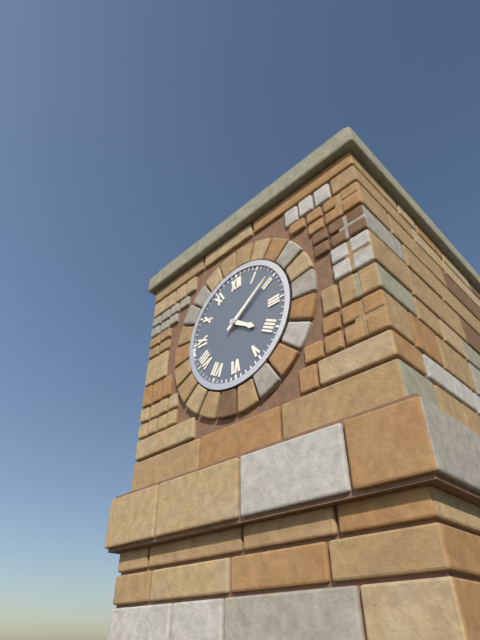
4:09
